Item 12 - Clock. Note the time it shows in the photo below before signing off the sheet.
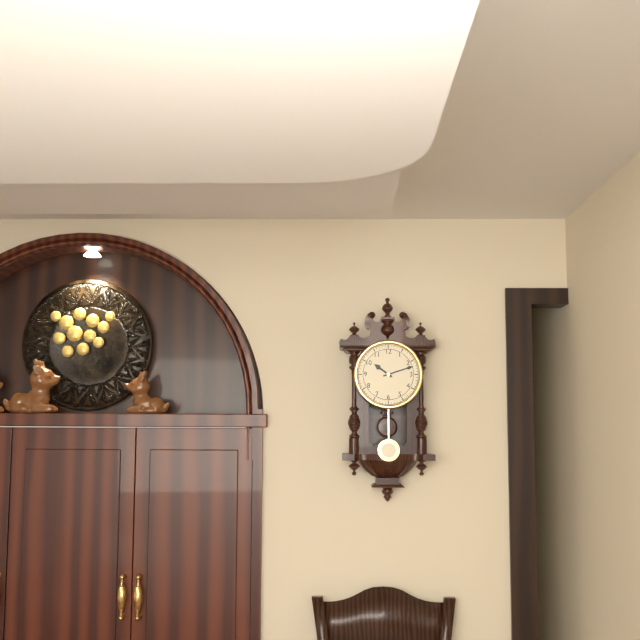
10:12
